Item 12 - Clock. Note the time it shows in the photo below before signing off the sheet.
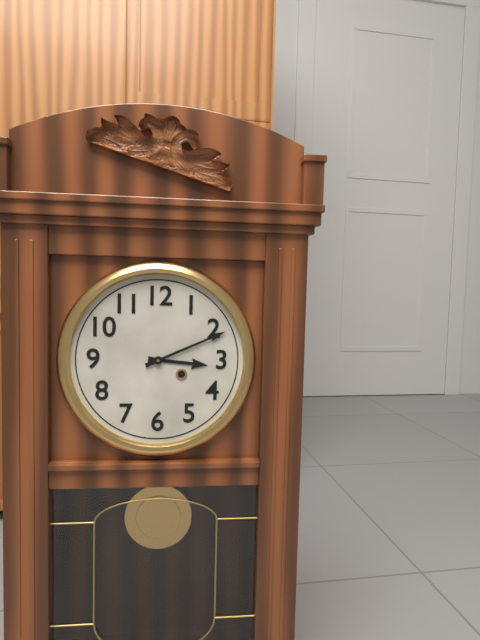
3:11
